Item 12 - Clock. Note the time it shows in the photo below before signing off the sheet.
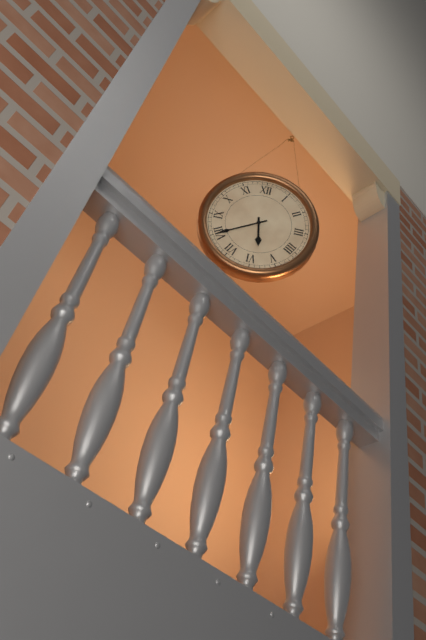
5:40
